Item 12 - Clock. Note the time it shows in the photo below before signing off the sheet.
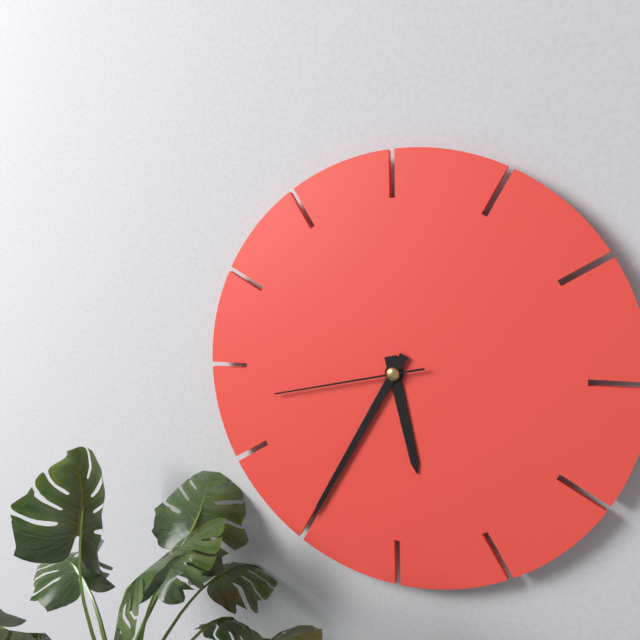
5:35:43
